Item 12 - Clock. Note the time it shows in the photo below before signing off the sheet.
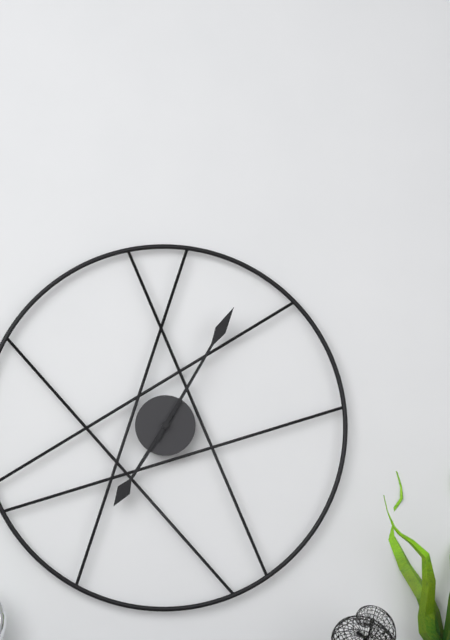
7:05
